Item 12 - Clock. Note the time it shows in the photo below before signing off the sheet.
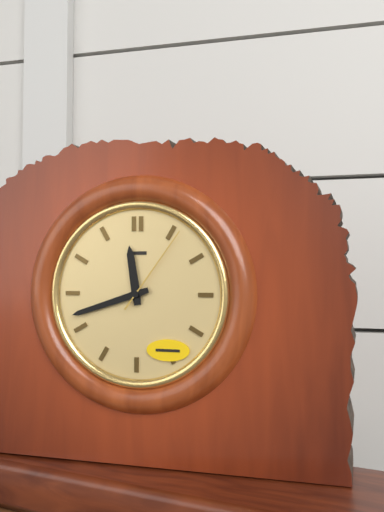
11:42:06
